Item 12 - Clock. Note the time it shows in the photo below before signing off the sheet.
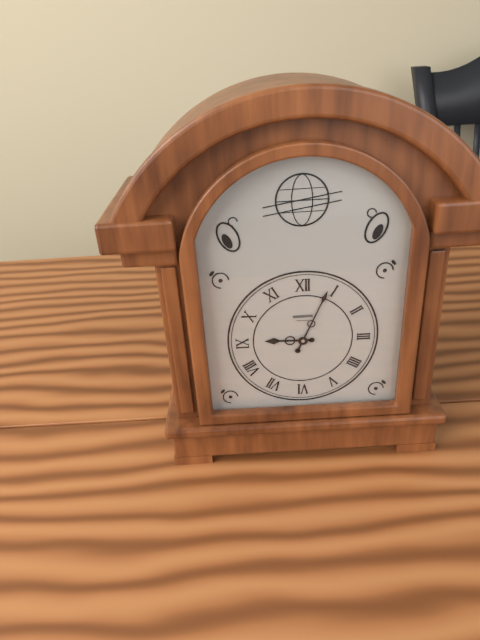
9:04
